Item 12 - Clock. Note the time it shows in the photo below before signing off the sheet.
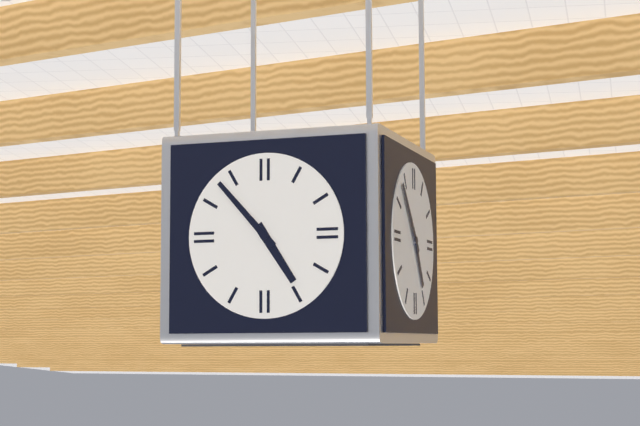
4:53
